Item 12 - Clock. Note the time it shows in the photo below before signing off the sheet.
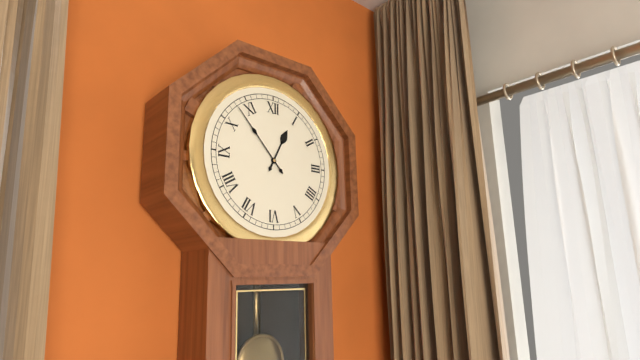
12:53
